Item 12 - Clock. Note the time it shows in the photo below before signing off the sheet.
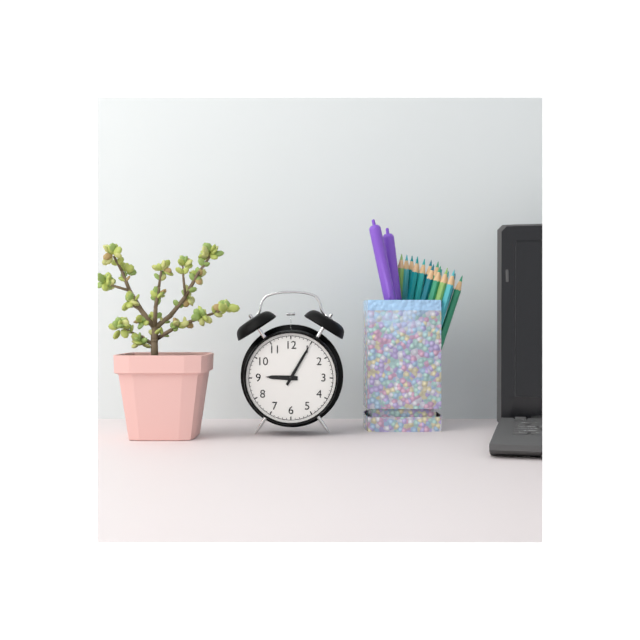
9:05
